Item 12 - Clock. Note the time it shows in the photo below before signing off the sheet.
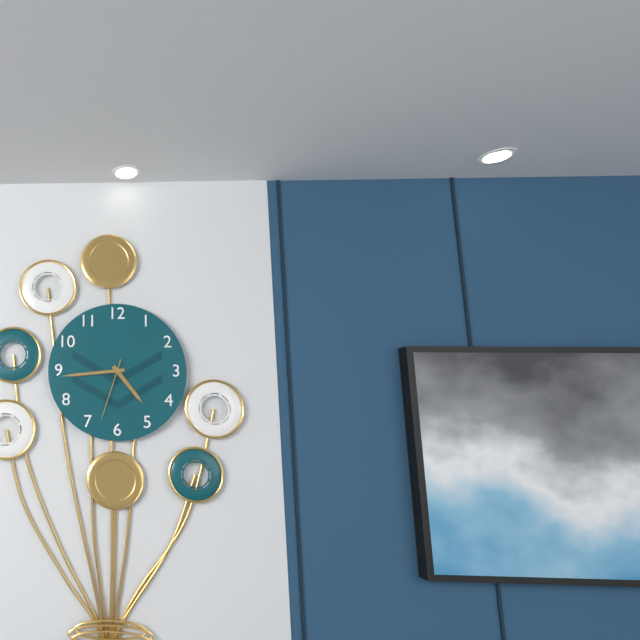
4:44:33
